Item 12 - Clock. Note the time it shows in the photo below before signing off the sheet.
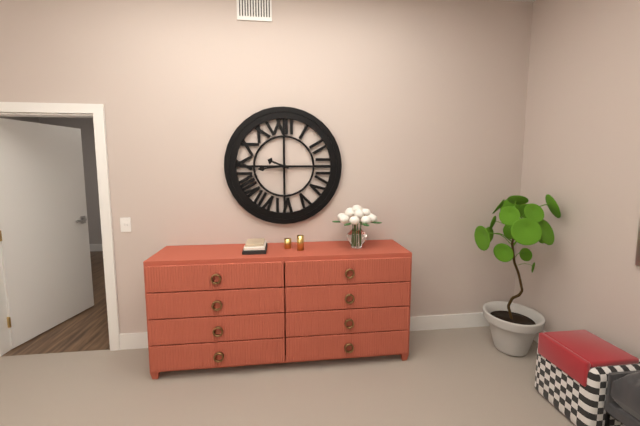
9:44
